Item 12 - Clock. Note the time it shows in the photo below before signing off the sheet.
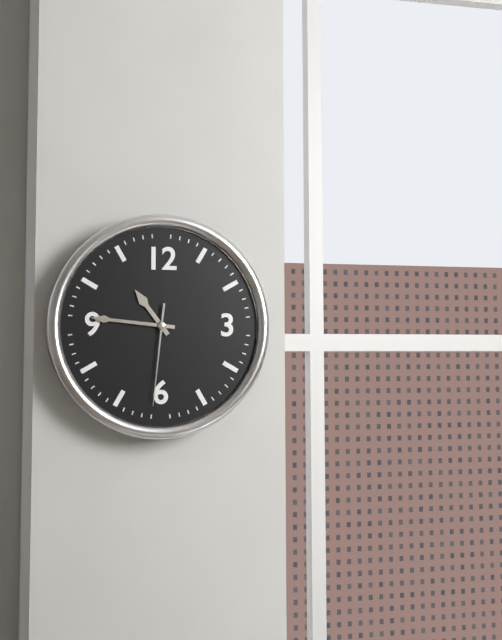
10:46:31
